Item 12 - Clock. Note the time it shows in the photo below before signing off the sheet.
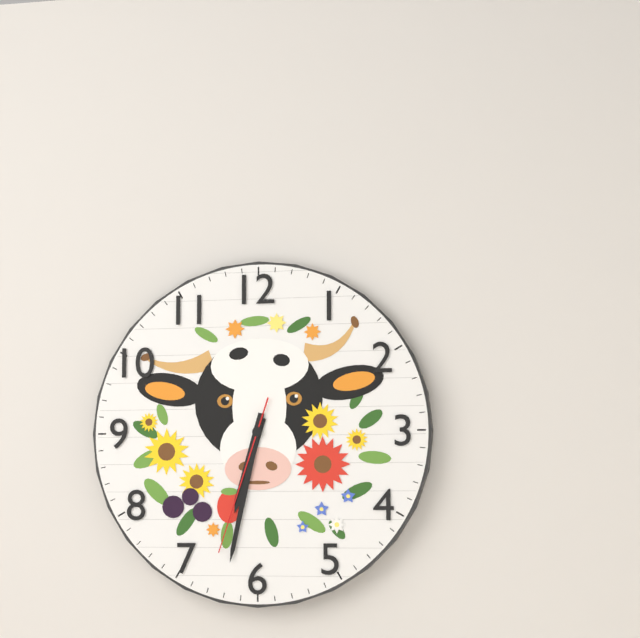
6:32:33
